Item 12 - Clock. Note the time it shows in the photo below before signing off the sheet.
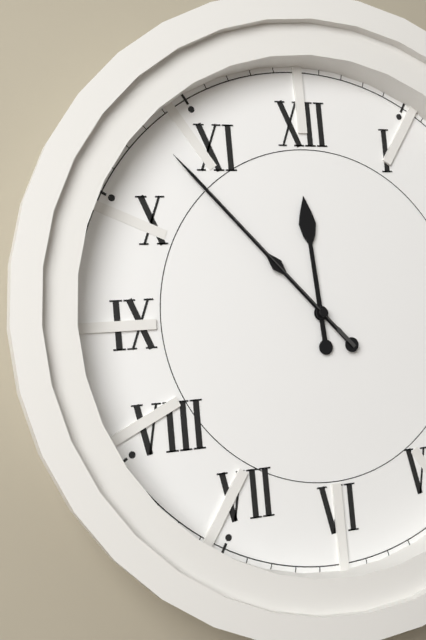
11:53:53
